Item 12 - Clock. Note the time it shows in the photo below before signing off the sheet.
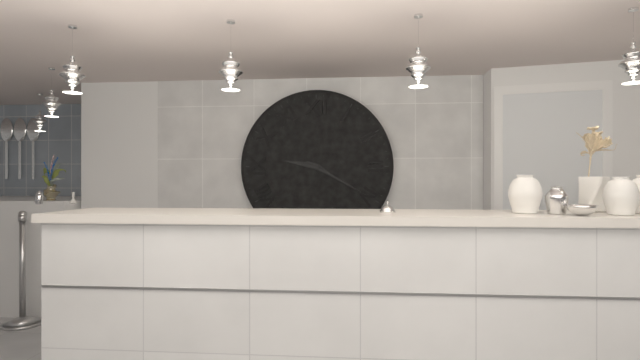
9:20
